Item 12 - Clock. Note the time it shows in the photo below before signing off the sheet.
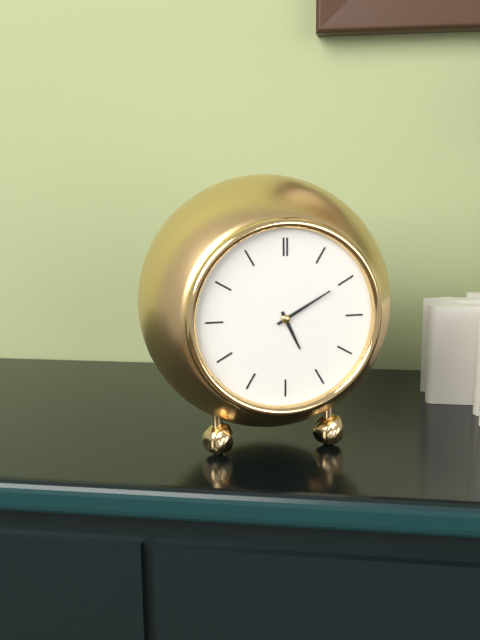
5:10
